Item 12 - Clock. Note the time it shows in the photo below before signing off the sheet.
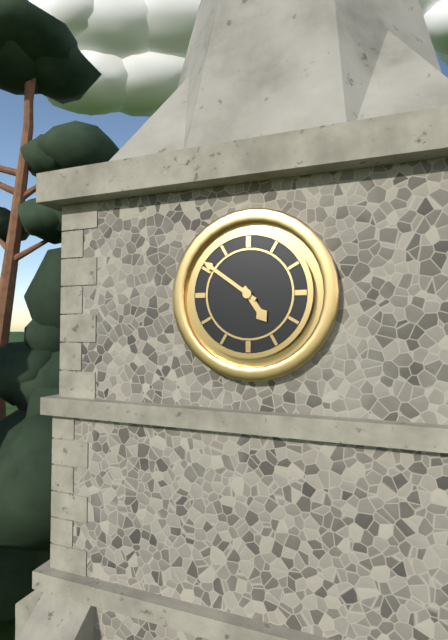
4:51
